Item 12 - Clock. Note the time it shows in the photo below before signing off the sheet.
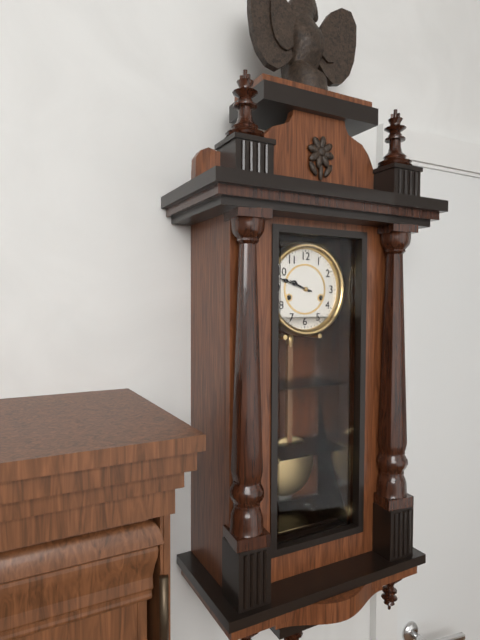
9:48
